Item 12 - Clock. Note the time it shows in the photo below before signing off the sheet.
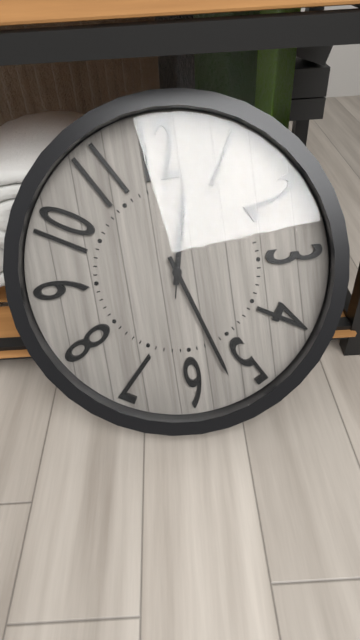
12:27:02
